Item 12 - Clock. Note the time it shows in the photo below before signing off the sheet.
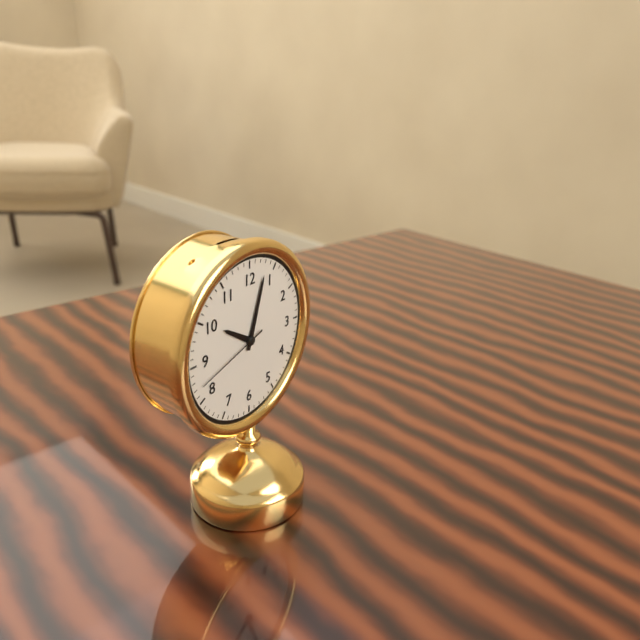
10:03:42
